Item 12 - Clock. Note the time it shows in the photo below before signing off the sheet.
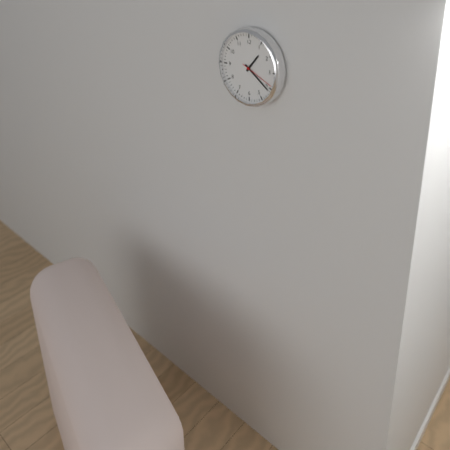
1:21
